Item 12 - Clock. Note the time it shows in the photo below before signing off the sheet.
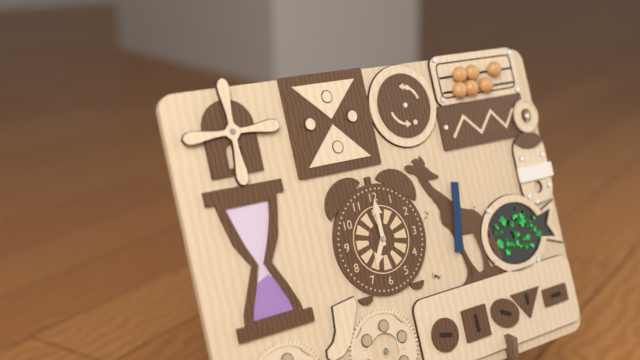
7:00
